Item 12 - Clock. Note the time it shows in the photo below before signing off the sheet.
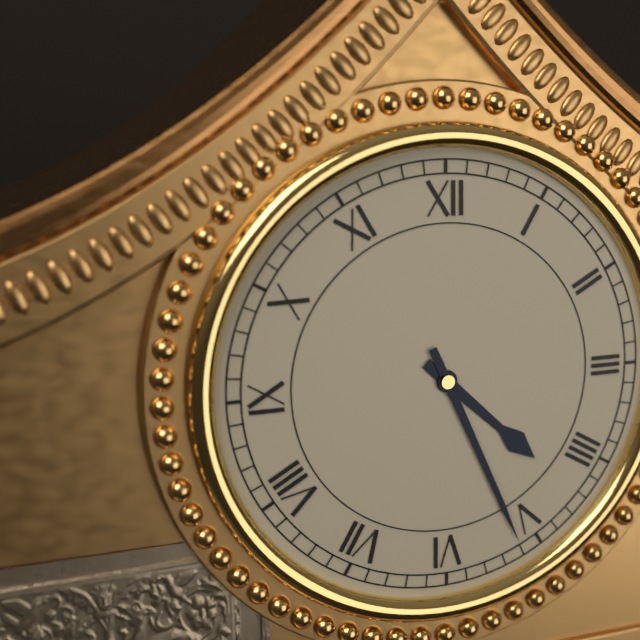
4:26
